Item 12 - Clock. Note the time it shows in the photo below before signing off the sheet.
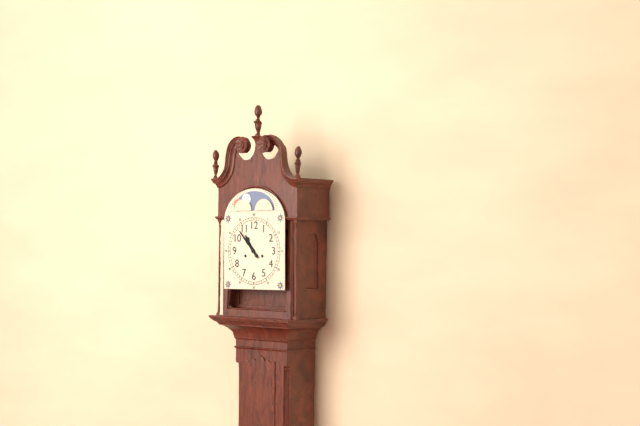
10:53
